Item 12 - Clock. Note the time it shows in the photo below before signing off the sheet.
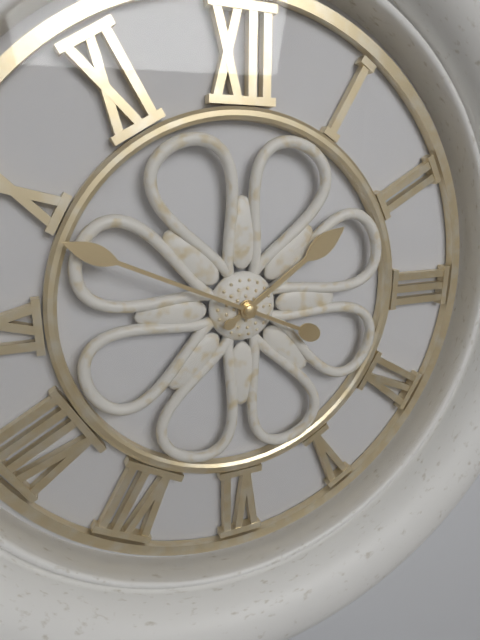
1:49
